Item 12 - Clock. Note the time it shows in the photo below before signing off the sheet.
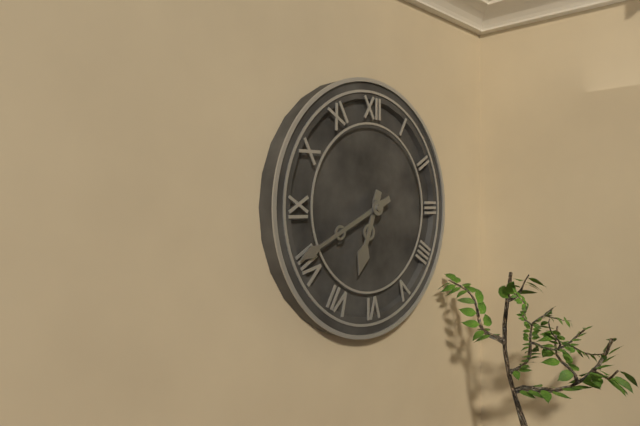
6:41
